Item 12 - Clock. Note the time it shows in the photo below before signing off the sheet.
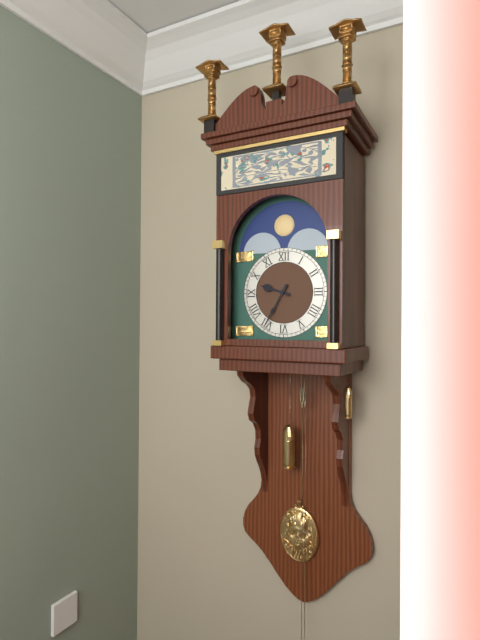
9:35
